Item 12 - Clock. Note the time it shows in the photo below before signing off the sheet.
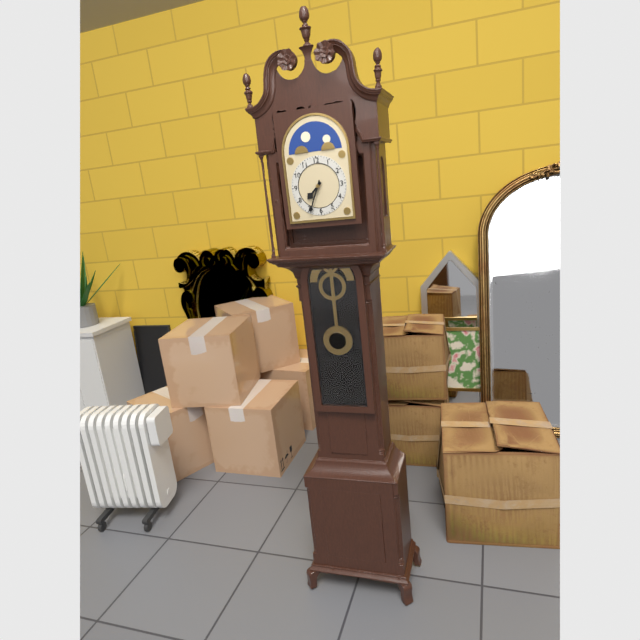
7:34
